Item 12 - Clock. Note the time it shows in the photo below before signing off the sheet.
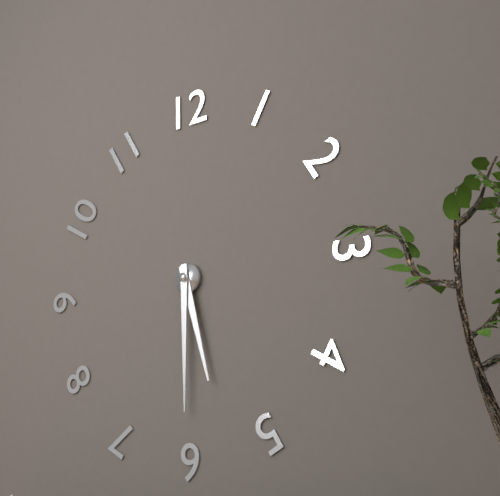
5:30
